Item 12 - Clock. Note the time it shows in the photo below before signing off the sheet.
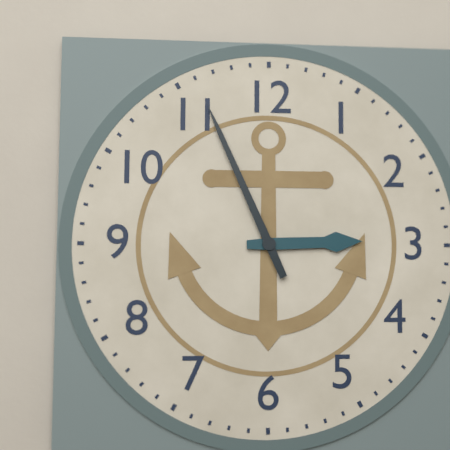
2:56
